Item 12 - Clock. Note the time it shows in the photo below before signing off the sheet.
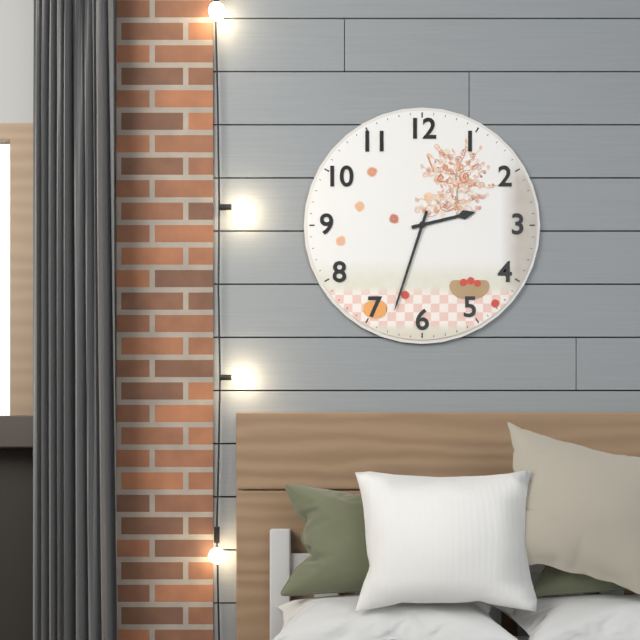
2:33
